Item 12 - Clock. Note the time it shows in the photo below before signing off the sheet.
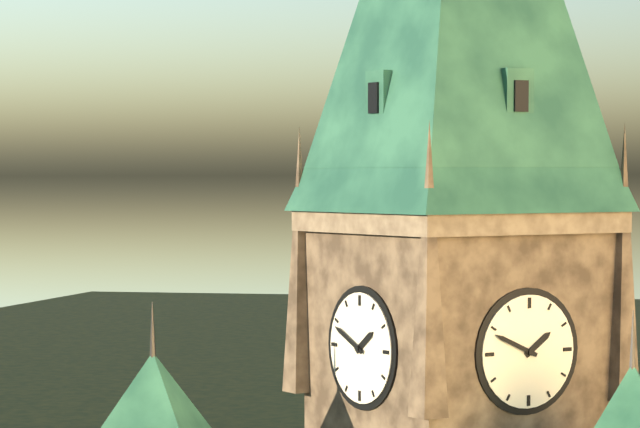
1:49
